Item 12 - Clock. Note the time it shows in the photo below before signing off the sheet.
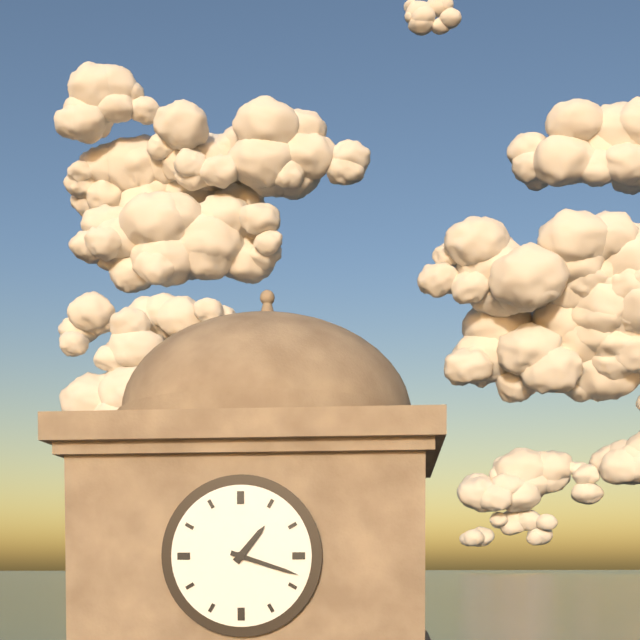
1:18
